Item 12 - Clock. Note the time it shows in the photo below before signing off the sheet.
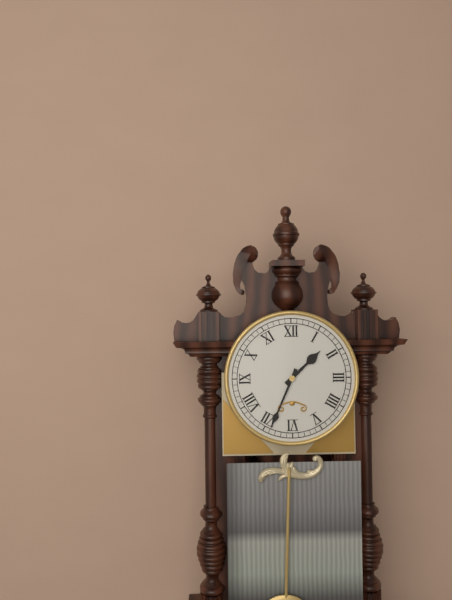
1:34
